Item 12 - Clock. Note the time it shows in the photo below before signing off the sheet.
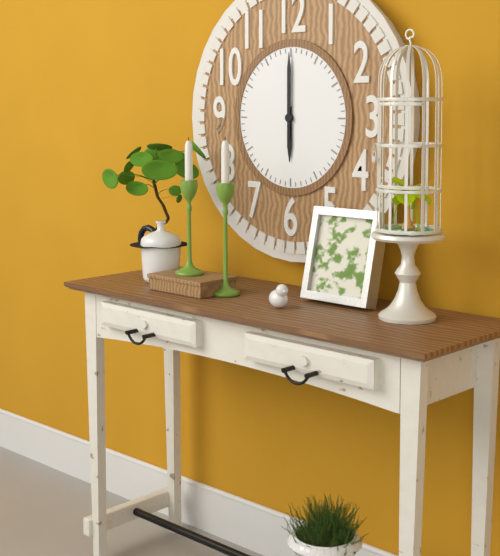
6:00
